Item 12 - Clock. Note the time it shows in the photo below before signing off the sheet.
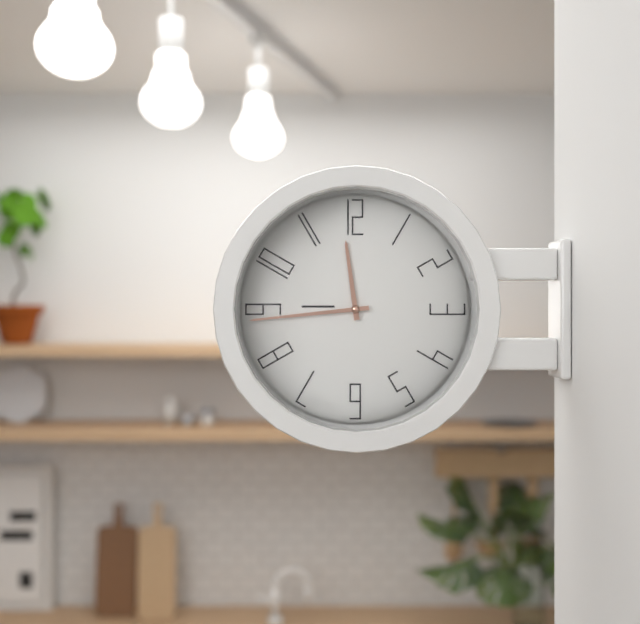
11:44
